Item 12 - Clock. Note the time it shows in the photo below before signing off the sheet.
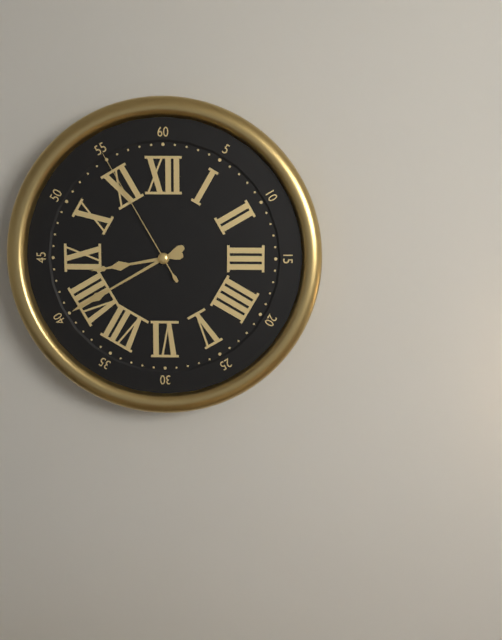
8:40:55
